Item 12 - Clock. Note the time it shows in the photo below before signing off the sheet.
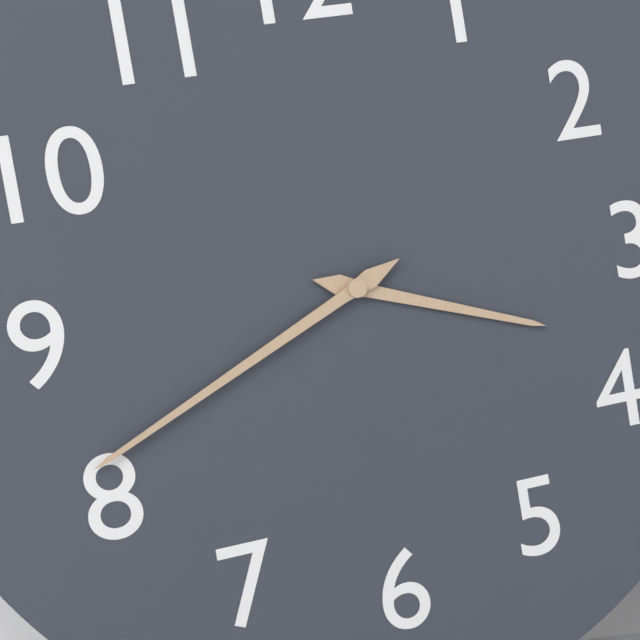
3:41
